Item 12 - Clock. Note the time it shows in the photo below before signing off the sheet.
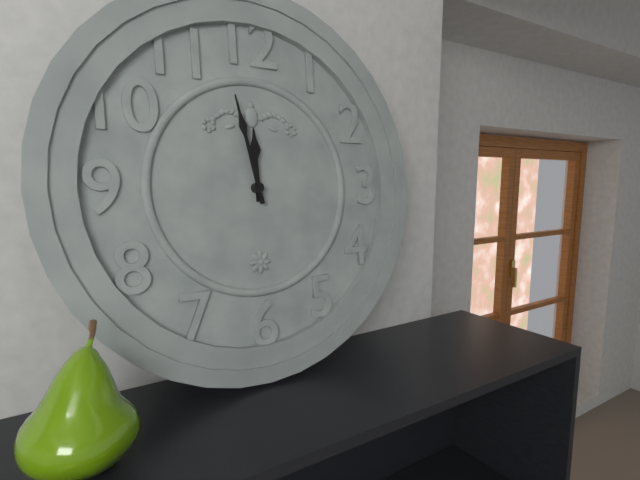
11:58
